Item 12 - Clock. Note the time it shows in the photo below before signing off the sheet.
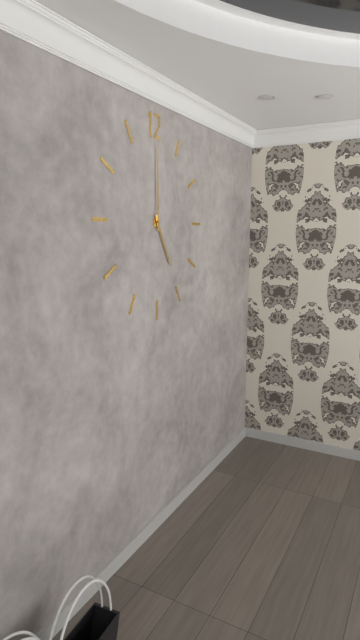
5:00
